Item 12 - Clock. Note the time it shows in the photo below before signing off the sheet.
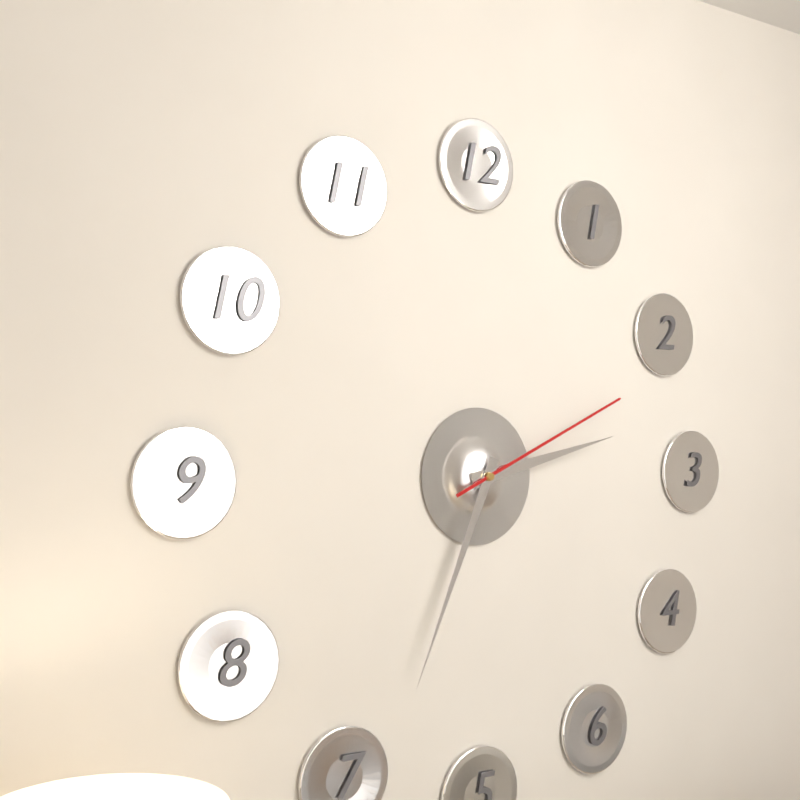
2:34:11
